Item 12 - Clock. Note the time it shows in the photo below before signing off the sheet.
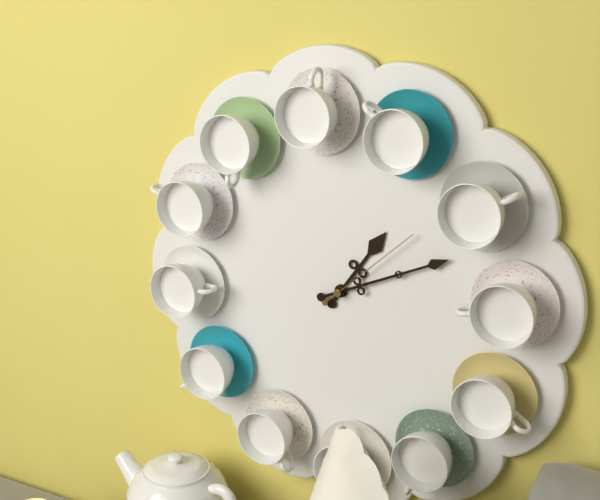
1:11:08
